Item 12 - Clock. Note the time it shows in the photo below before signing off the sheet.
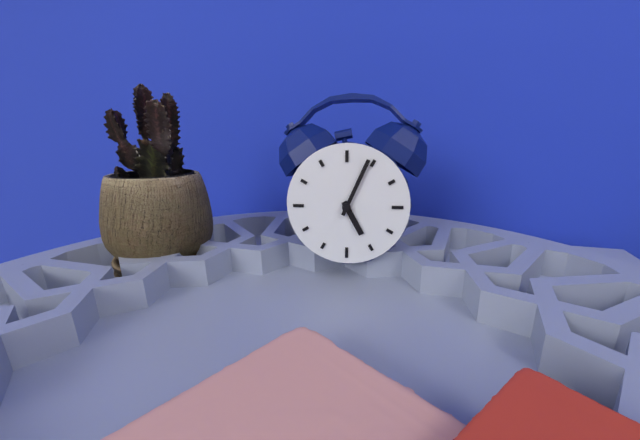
5:04
